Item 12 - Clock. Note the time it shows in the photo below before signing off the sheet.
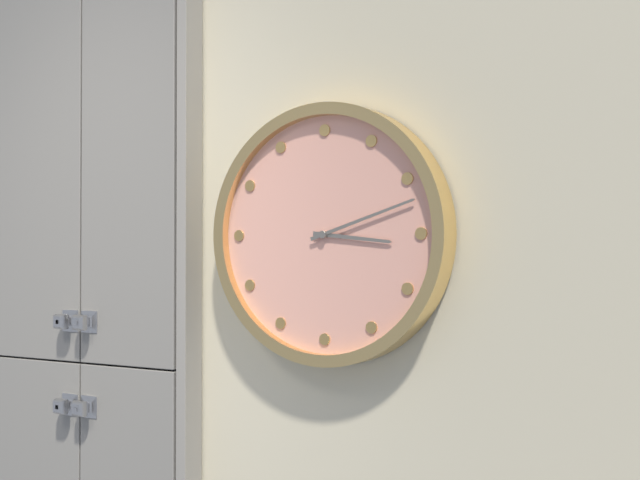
3:12
